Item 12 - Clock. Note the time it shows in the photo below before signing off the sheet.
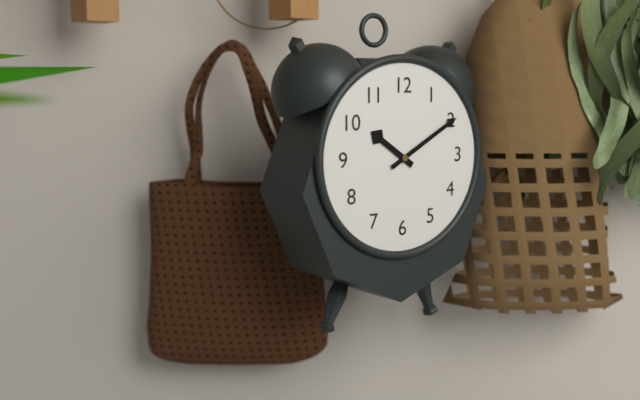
10:10
